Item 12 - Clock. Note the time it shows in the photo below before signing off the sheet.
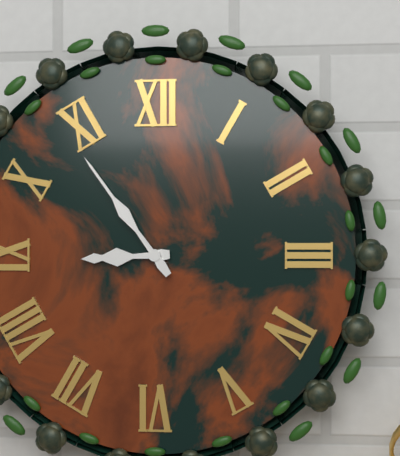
8:54
